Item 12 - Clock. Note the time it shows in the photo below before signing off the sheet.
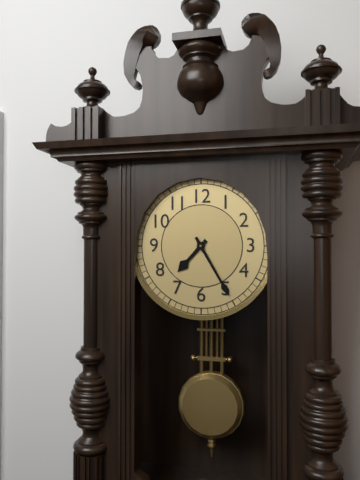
7:25
